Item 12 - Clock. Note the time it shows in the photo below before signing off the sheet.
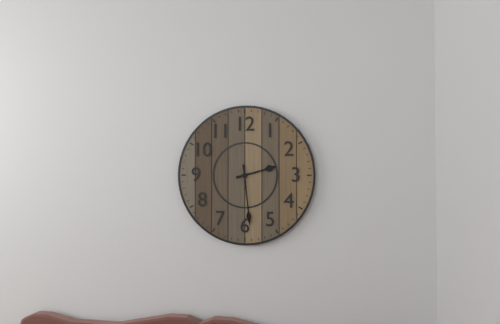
2:29
